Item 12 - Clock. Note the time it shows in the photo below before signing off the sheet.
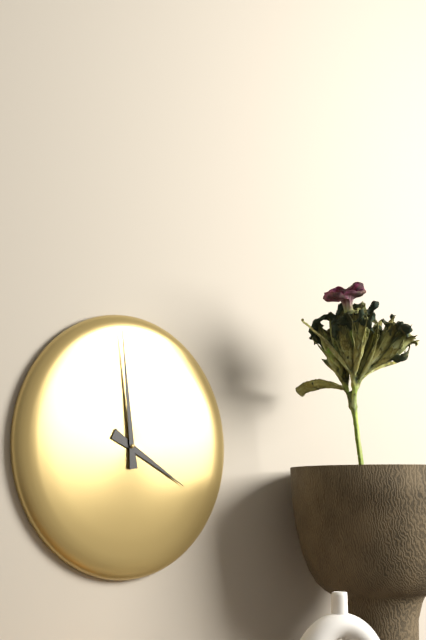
3:59
